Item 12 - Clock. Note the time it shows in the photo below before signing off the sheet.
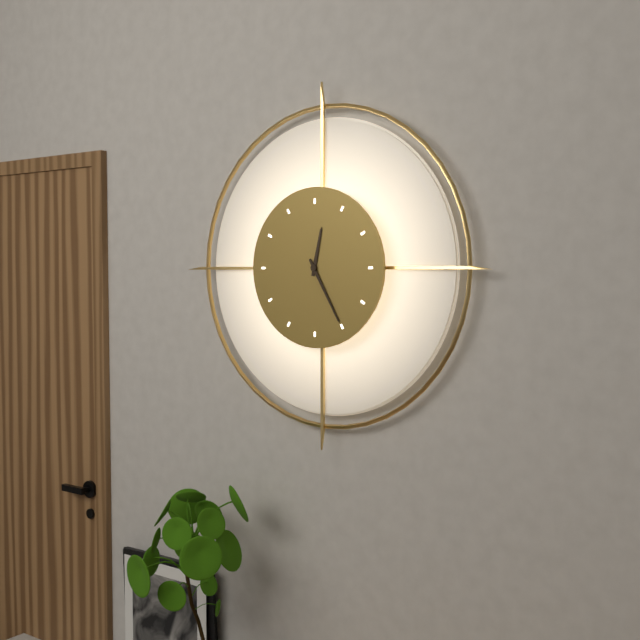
12:25
